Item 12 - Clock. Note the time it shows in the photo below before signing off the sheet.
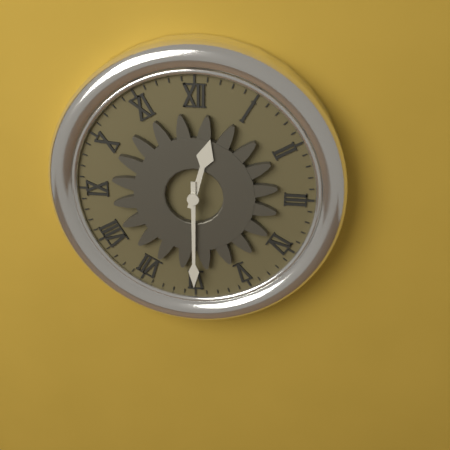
12:30
